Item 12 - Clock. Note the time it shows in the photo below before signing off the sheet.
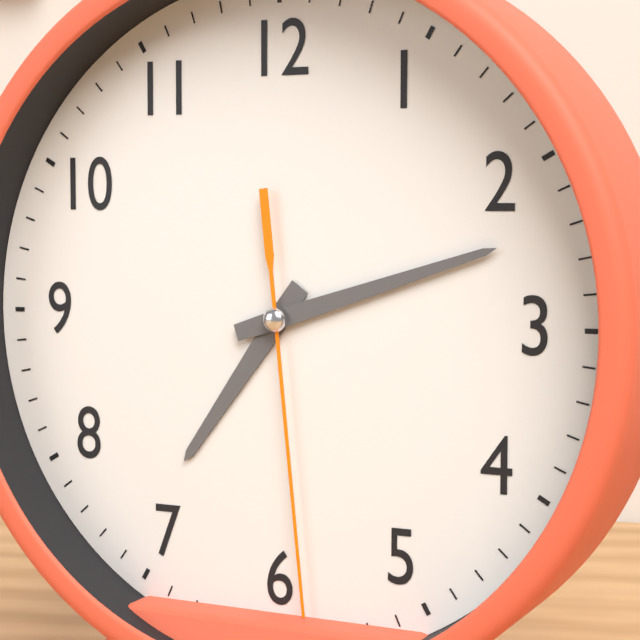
7:12:29
